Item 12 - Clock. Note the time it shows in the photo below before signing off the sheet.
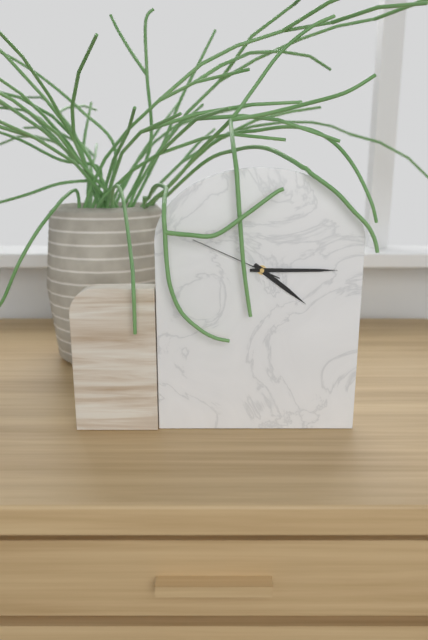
4:15:49
